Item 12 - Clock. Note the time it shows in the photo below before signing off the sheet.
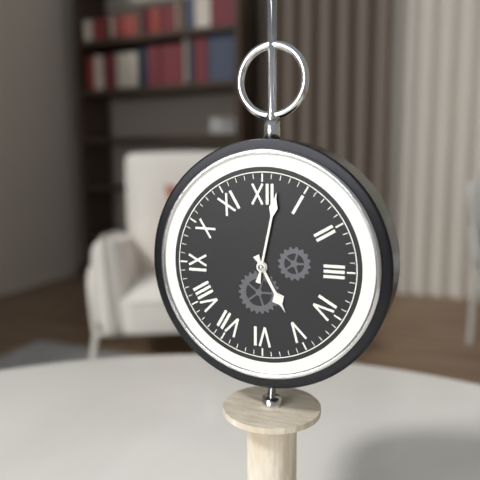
5:02
